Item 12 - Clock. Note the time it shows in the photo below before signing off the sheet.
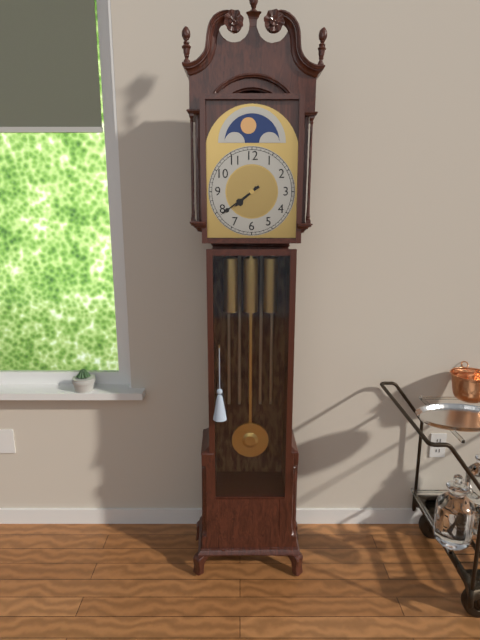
7:39
